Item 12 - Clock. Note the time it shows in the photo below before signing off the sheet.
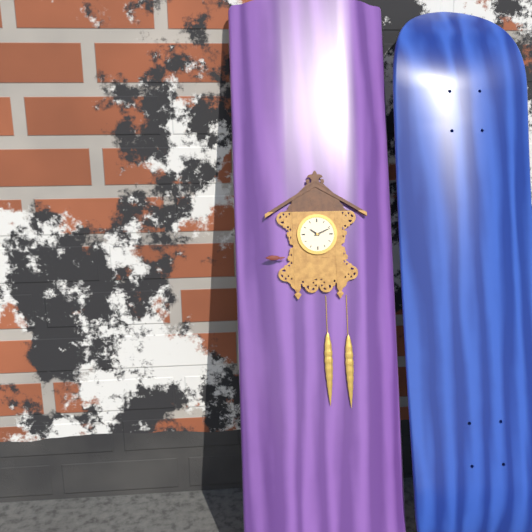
10:11
